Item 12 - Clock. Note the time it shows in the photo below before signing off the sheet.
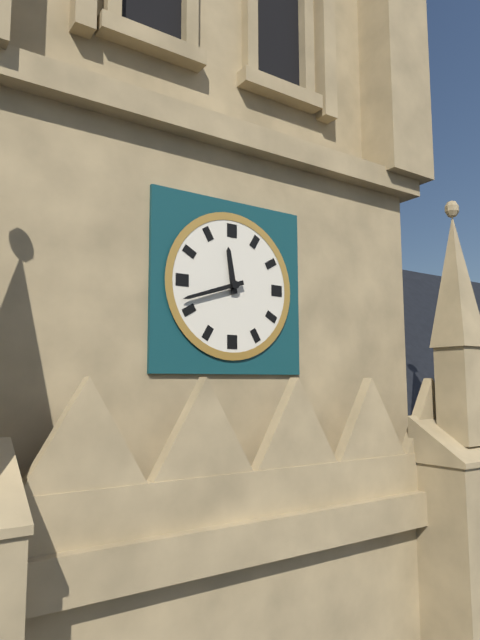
11:42
